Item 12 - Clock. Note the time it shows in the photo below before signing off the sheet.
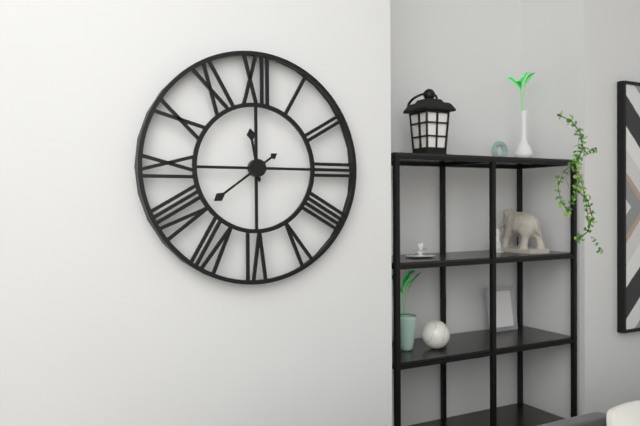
11:39
